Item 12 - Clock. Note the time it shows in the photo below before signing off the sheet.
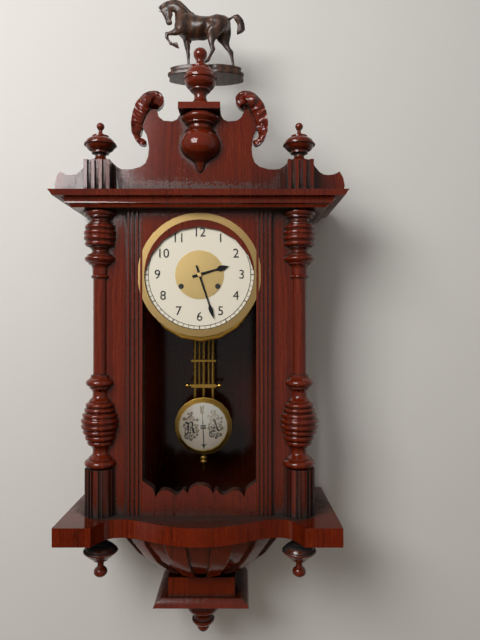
2:27
